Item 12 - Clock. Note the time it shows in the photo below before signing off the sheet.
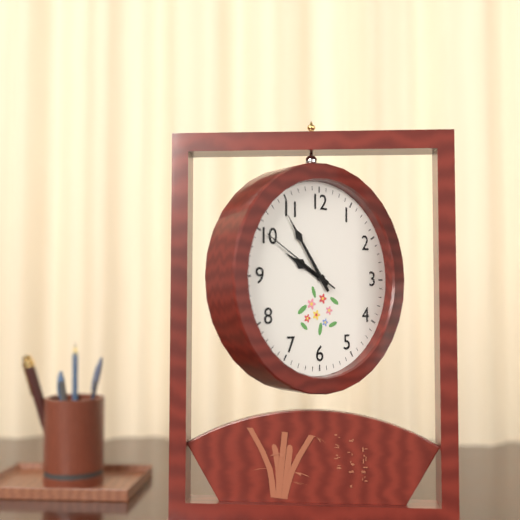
9:54:50
